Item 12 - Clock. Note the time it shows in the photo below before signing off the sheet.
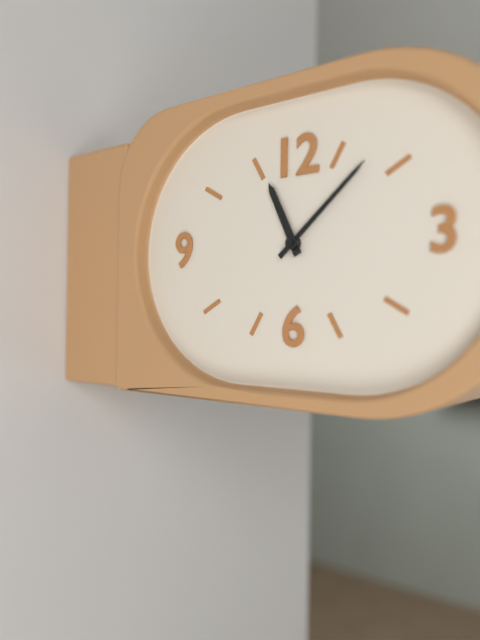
11:08
